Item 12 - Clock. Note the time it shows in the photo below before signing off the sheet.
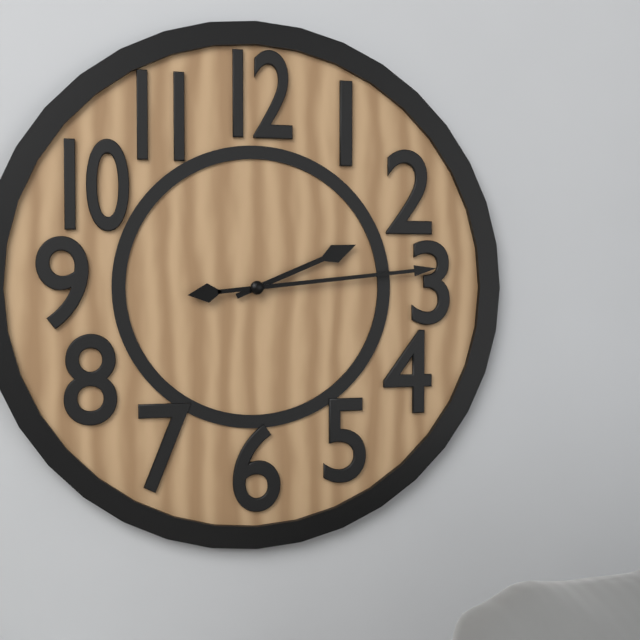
2:14
